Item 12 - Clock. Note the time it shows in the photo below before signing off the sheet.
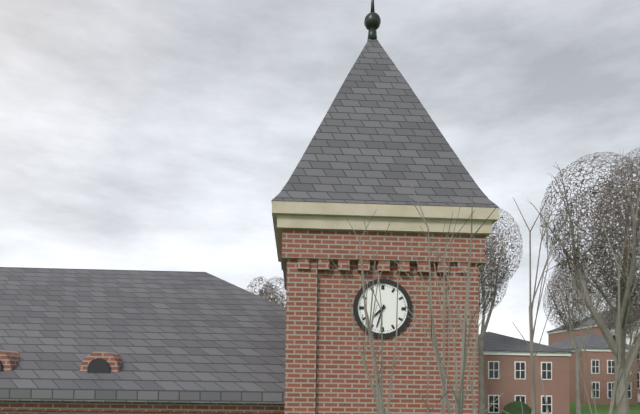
7:33
